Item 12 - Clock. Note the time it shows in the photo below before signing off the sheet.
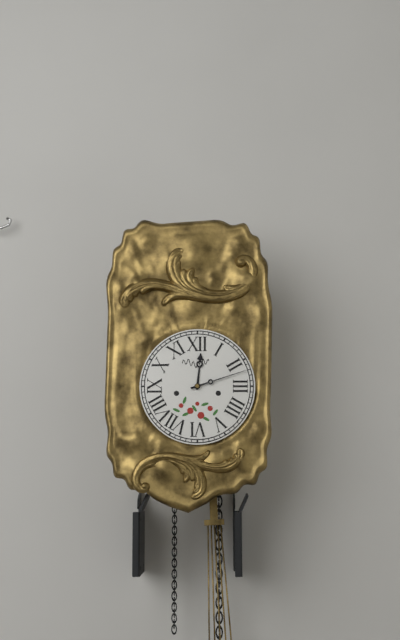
12:12
